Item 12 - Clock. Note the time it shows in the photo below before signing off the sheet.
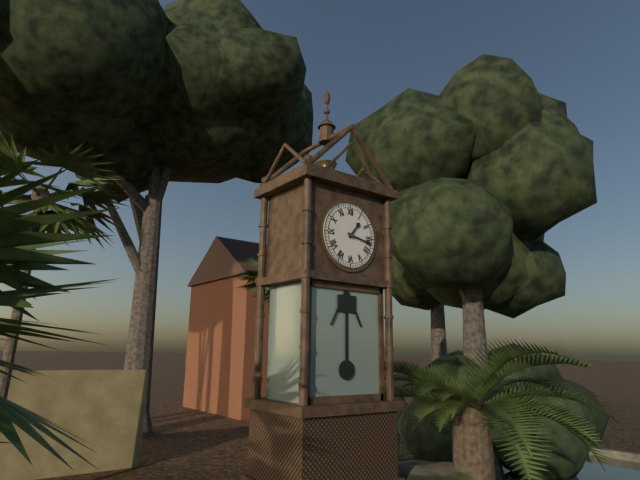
1:17
